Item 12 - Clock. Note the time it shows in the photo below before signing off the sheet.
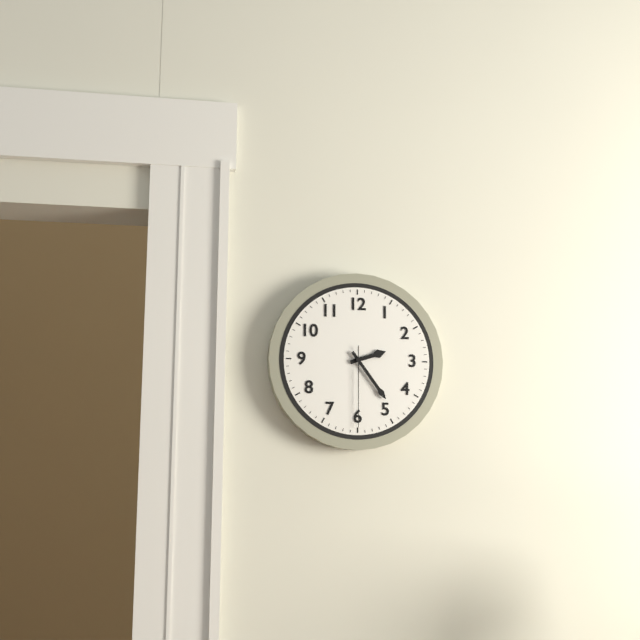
2:24:30
